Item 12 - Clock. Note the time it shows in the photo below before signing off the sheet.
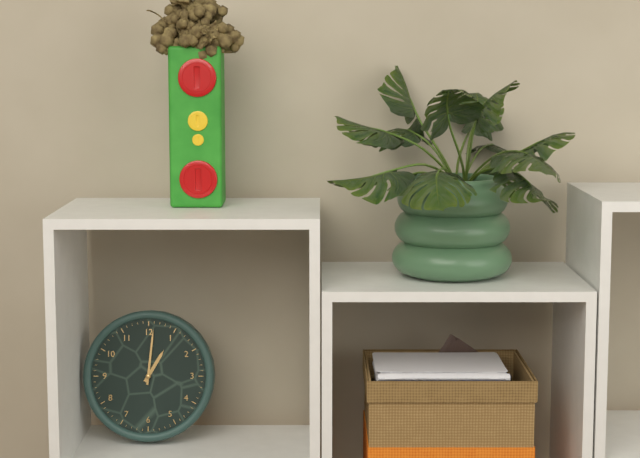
1:01
